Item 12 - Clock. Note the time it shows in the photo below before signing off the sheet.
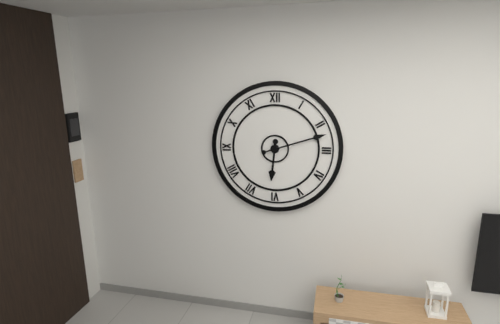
6:12
